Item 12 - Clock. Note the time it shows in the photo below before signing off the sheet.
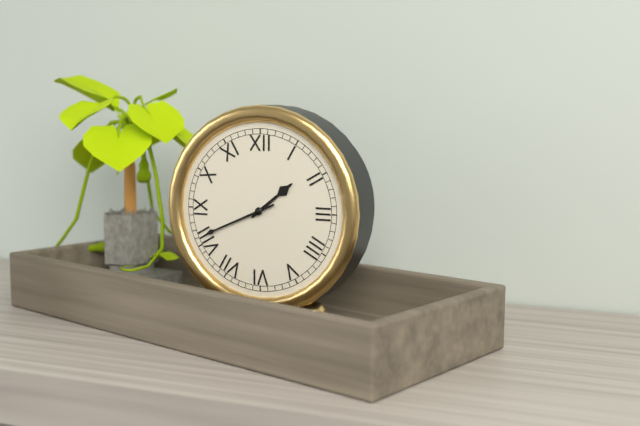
1:41
